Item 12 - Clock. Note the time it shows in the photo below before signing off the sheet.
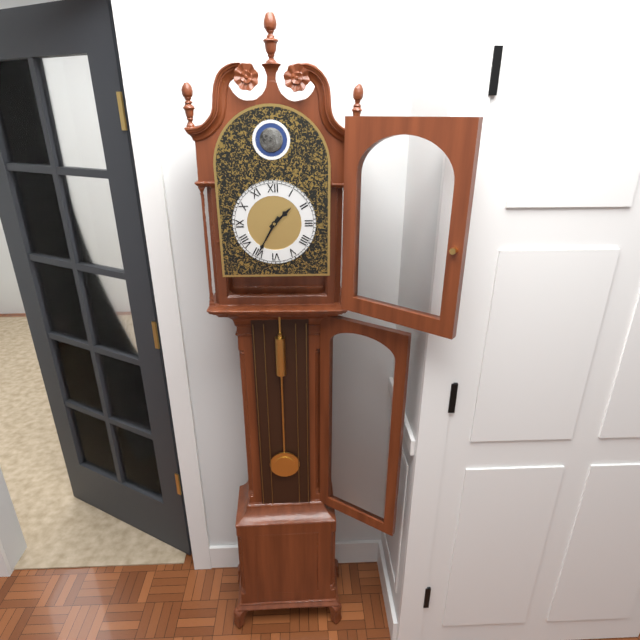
1:35
